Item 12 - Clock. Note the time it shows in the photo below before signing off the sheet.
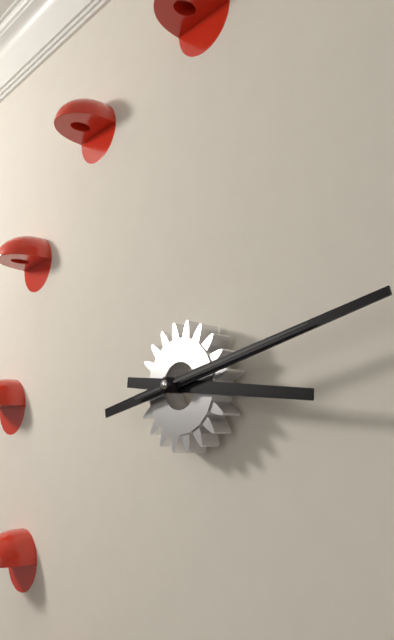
3:13:13
